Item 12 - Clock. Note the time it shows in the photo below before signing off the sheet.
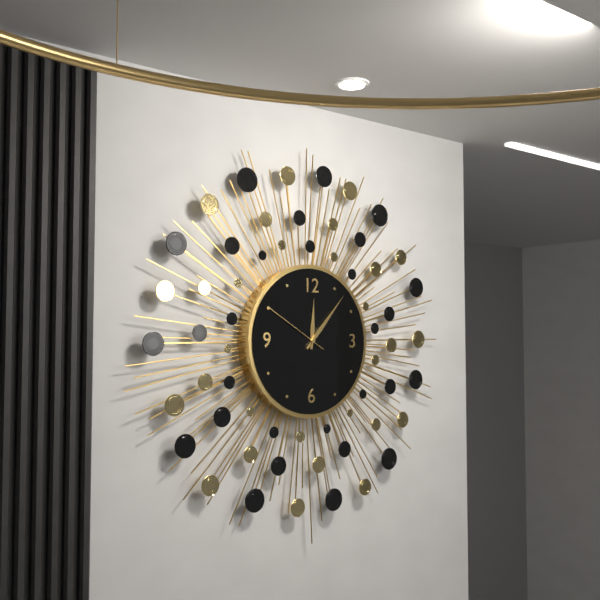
12:07:50
